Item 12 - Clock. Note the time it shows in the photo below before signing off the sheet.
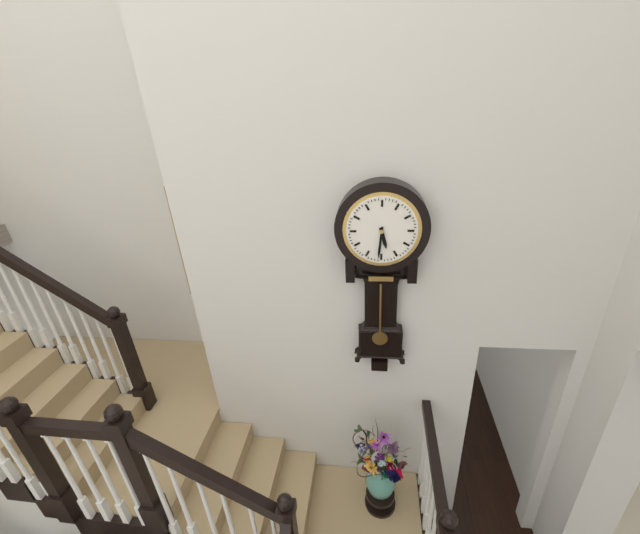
5:31
